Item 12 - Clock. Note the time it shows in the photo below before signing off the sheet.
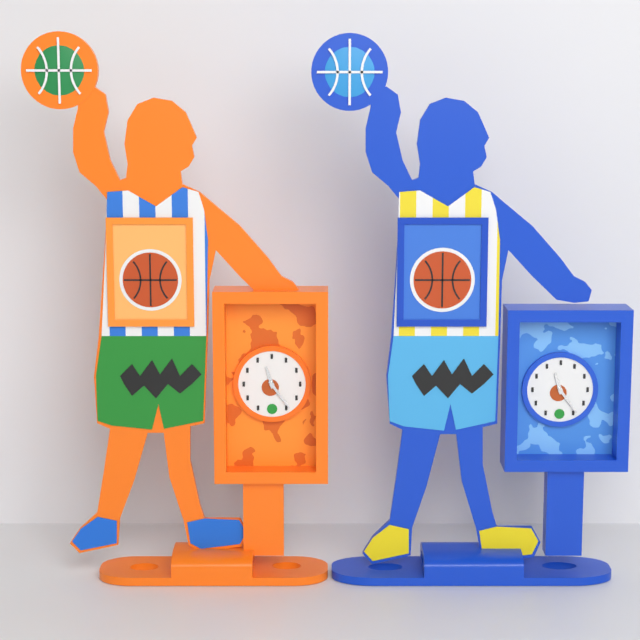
11:24
